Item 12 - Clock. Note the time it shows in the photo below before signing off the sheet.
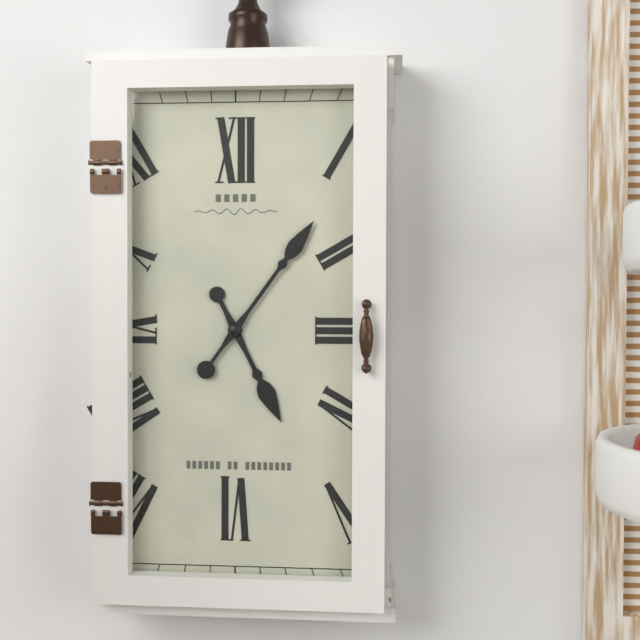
5:06
